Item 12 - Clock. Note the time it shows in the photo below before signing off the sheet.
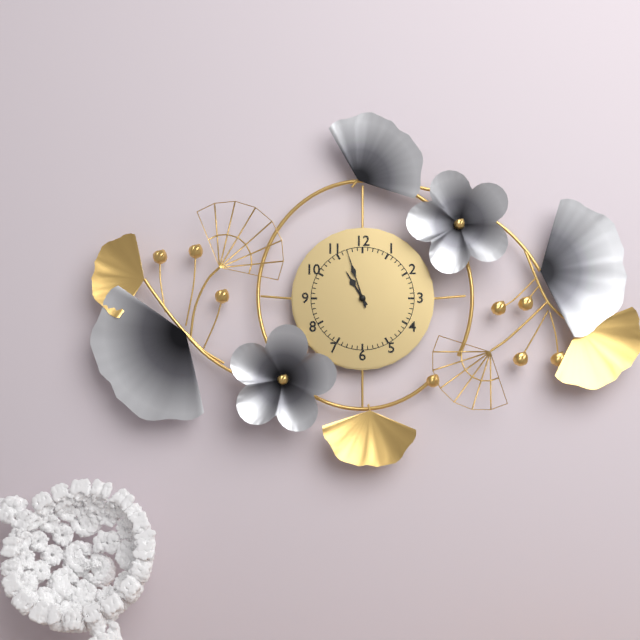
10:57
